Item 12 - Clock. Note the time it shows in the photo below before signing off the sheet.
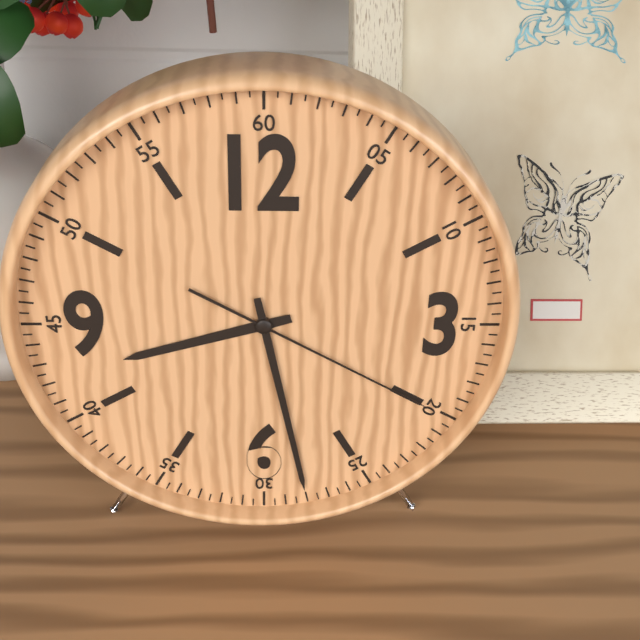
8:28:20
